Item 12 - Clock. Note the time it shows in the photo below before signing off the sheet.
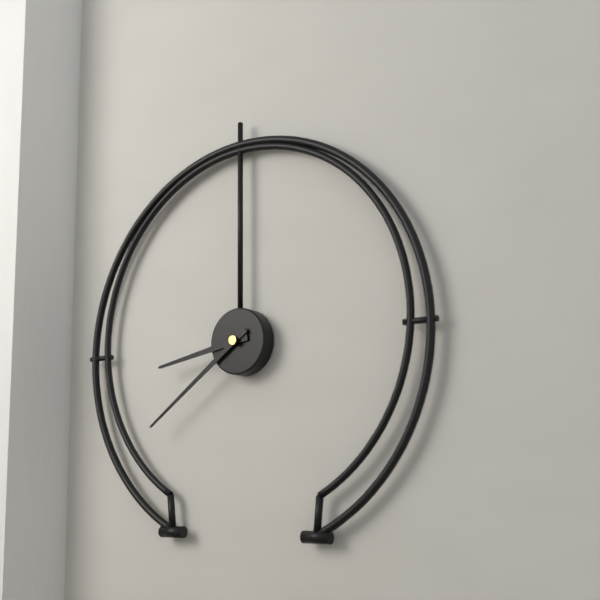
8:39
